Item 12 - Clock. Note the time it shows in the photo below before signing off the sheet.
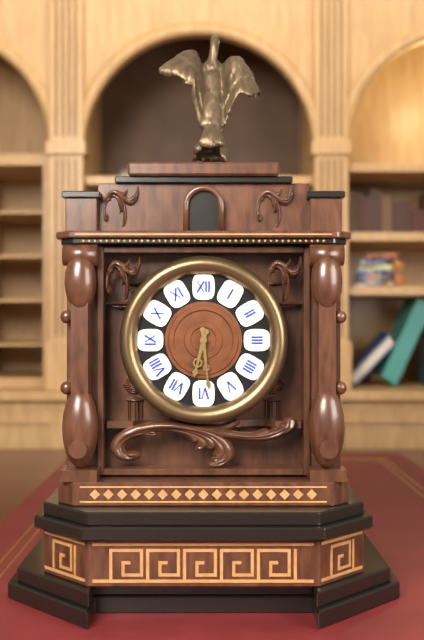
6:29
